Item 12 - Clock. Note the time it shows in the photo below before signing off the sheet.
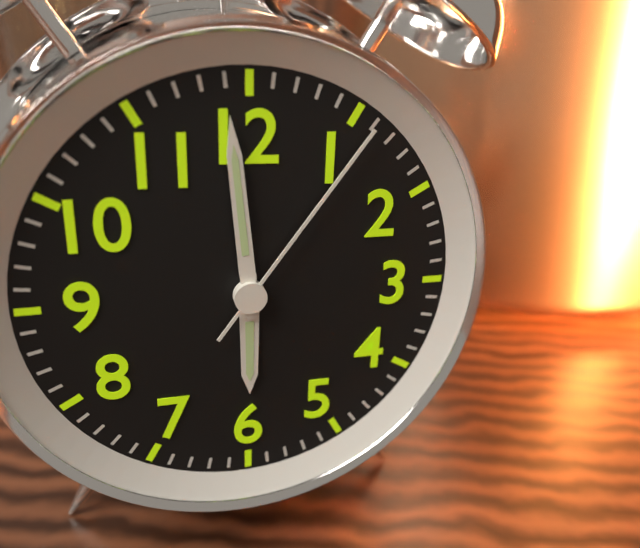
5:59:06
